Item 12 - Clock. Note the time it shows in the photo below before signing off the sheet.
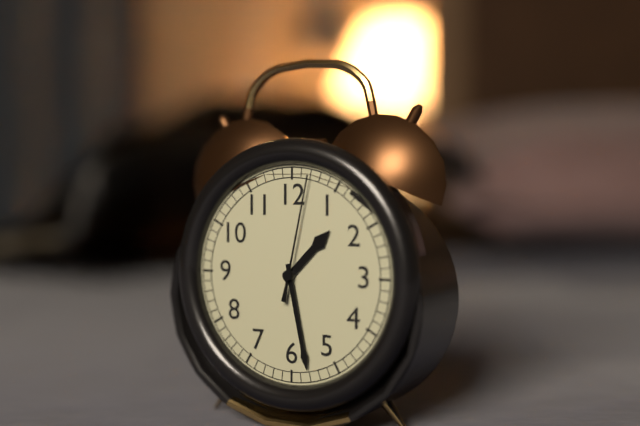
1:28:02
